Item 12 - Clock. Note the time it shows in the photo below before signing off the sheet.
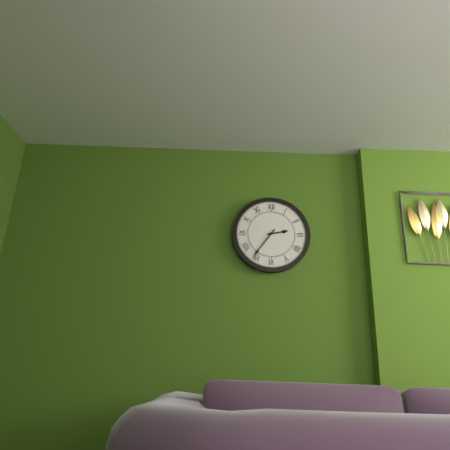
2:36
